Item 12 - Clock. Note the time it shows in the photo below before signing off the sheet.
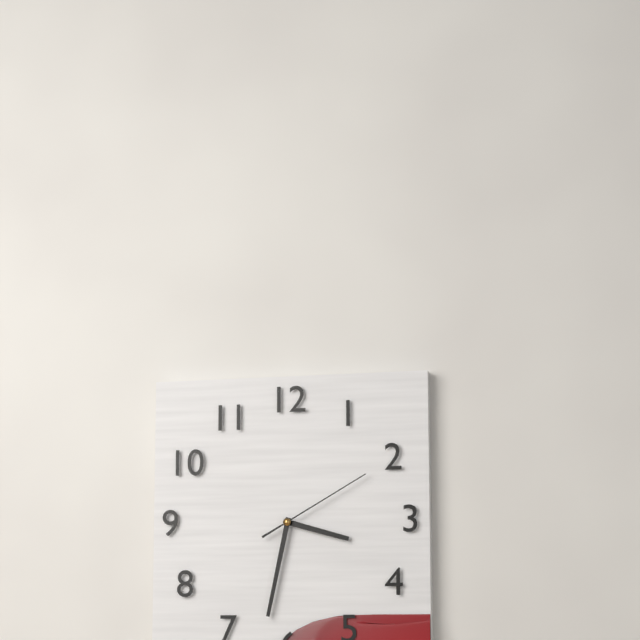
3:32:10
